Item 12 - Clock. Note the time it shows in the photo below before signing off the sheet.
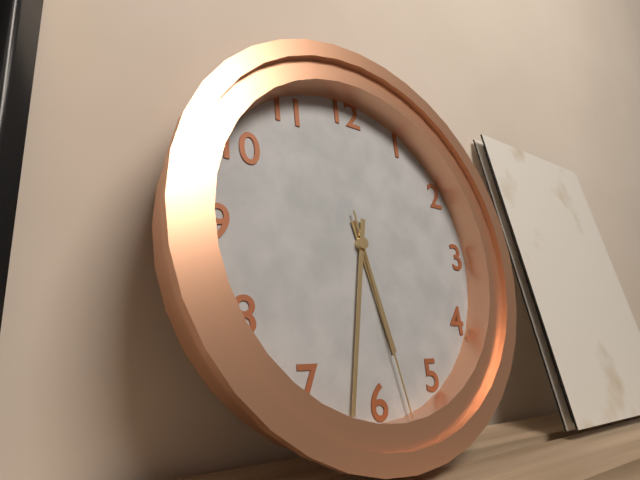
5:32:28
